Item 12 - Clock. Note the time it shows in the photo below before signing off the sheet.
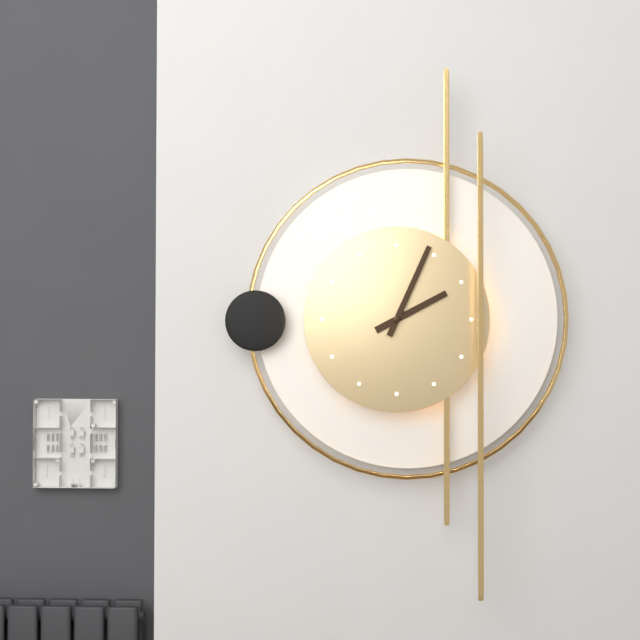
2:04
